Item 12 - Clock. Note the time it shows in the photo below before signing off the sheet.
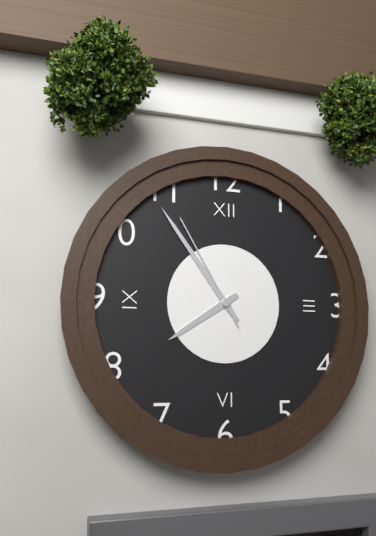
7:54:55
